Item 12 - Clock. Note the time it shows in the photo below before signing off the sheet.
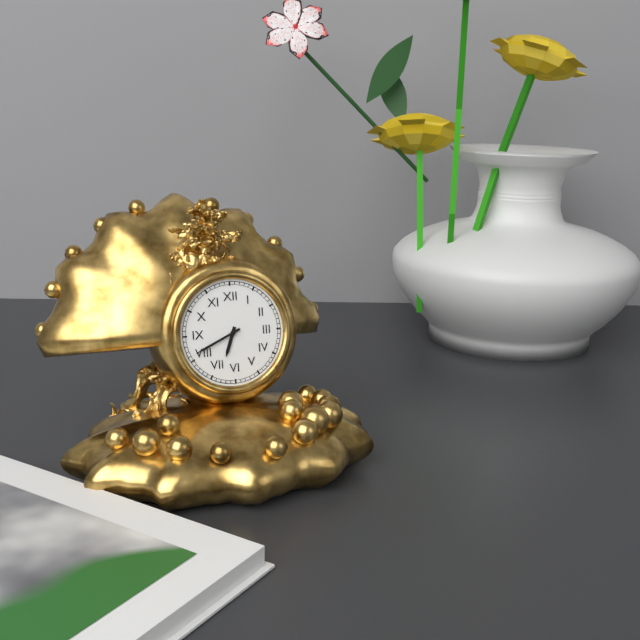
6:41
